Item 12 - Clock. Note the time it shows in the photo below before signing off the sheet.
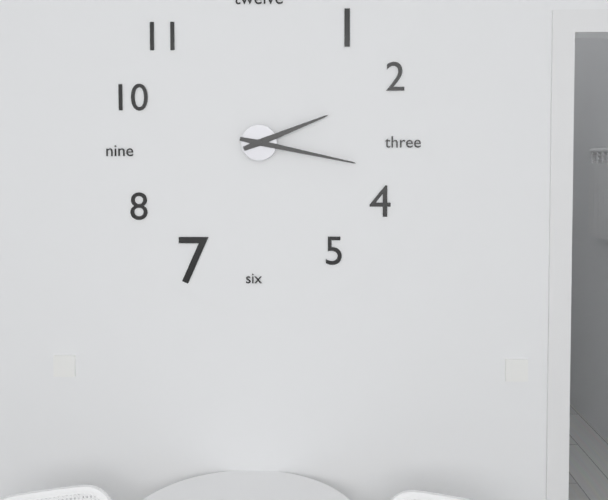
2:17
